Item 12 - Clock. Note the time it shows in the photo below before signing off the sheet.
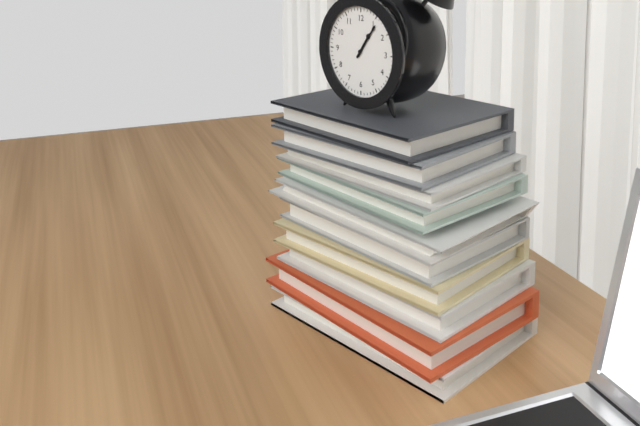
1:06
